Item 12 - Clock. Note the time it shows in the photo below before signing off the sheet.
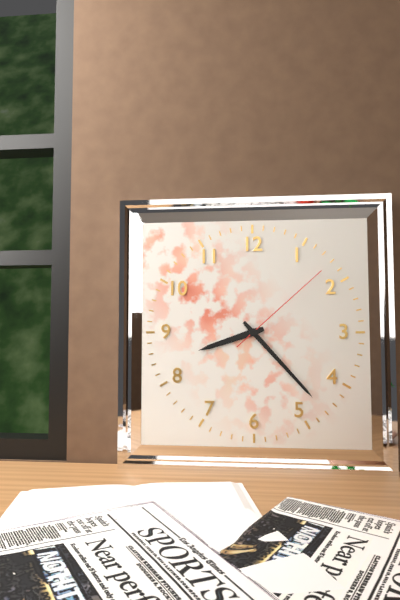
8:23:08
